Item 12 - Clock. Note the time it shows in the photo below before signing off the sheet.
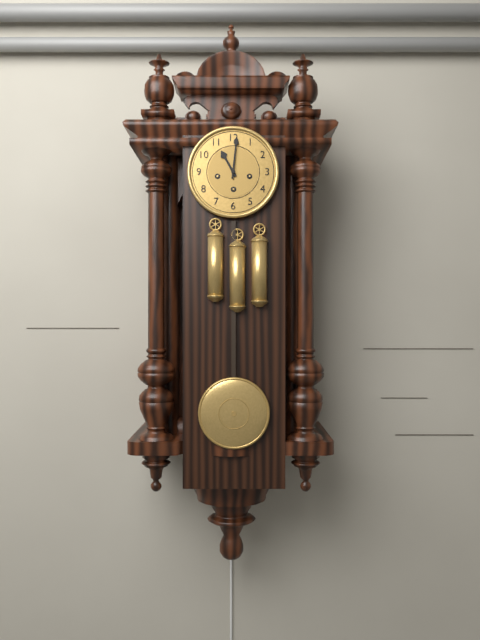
11:01
